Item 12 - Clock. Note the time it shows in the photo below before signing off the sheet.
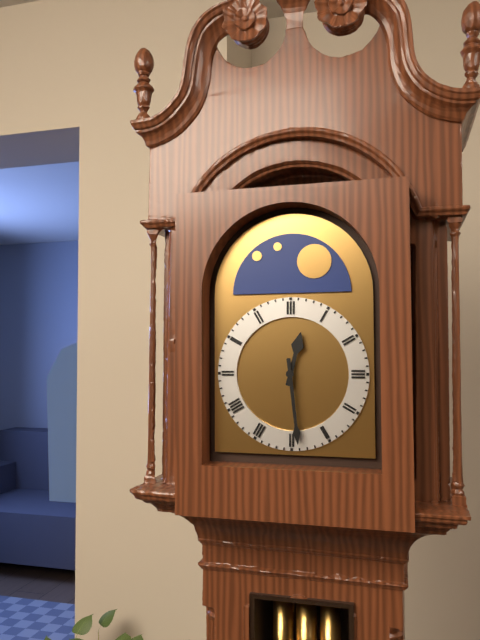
12:29
